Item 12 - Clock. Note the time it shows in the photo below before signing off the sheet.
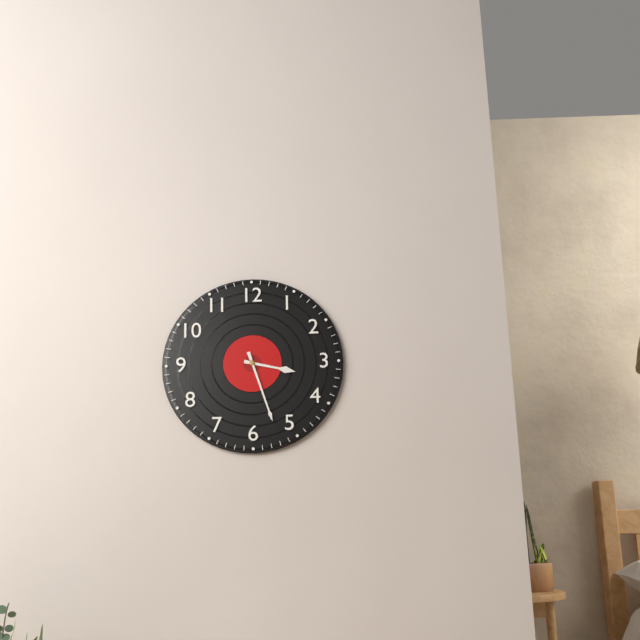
3:27
